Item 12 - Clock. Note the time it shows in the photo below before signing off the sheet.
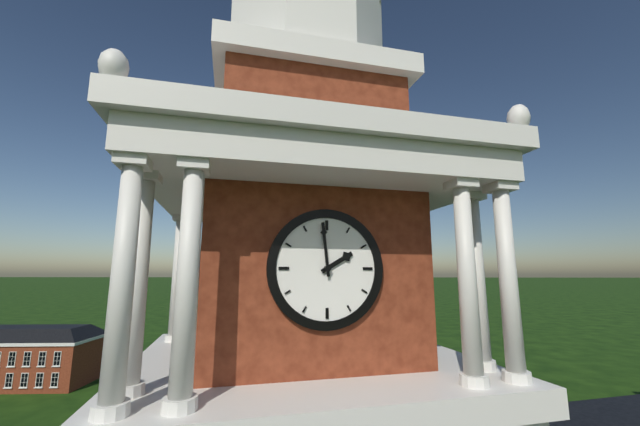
1:59
